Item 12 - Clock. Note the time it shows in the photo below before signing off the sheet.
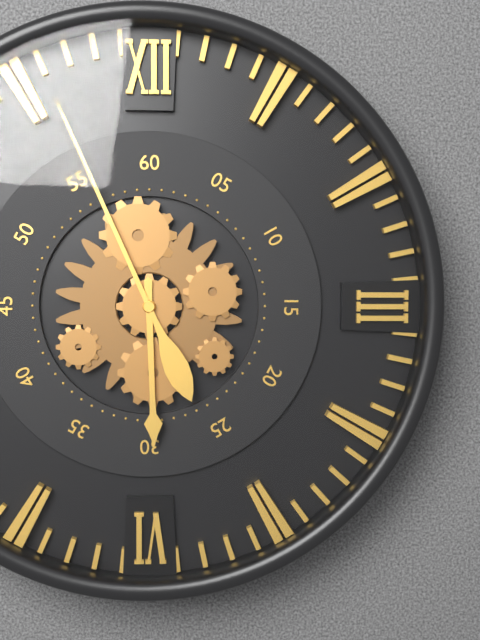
5:56
